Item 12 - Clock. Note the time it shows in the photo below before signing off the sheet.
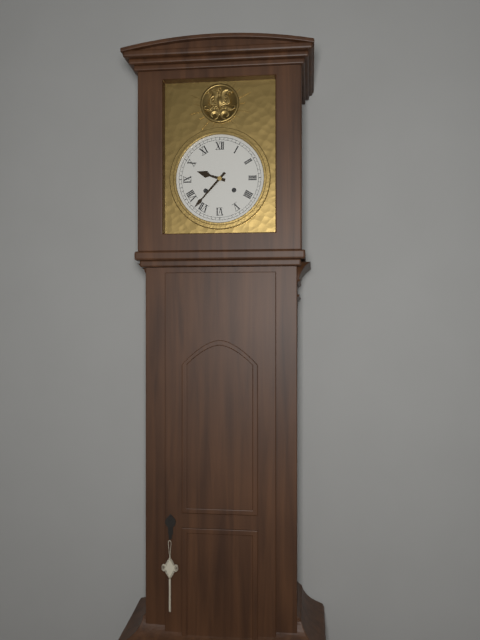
9:37
